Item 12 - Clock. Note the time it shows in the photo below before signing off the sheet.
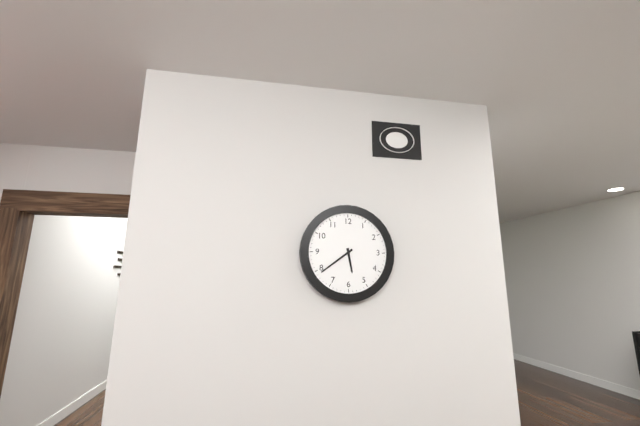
5:39
